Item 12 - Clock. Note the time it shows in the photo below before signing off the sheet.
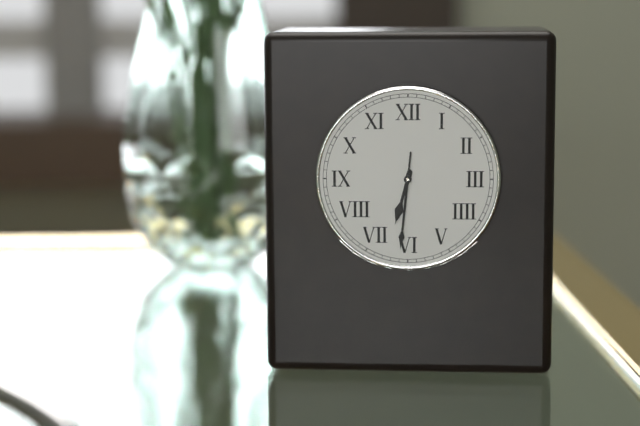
6:31
